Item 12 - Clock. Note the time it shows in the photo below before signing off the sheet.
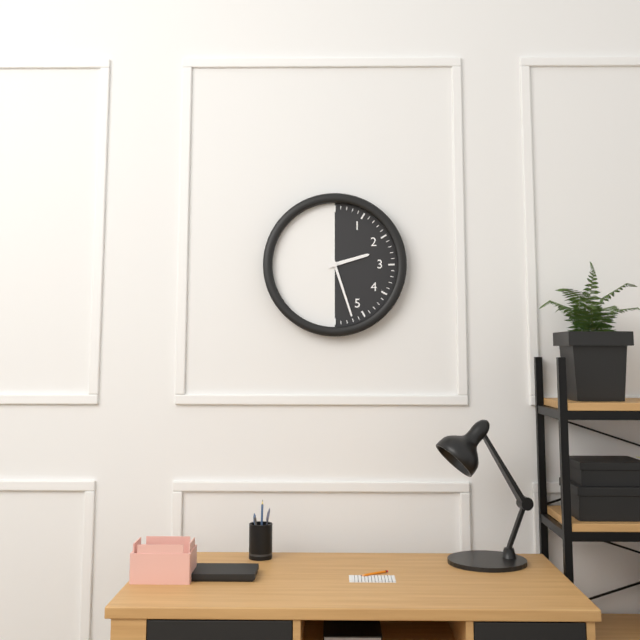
2:27
